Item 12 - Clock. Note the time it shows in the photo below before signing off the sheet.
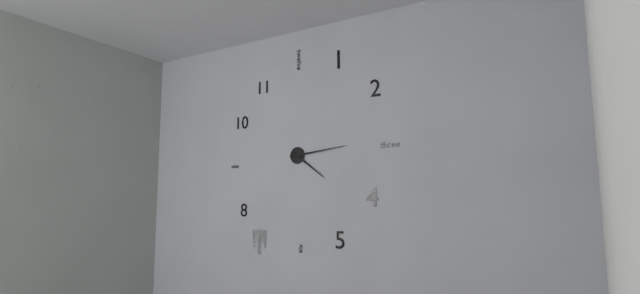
4:14
